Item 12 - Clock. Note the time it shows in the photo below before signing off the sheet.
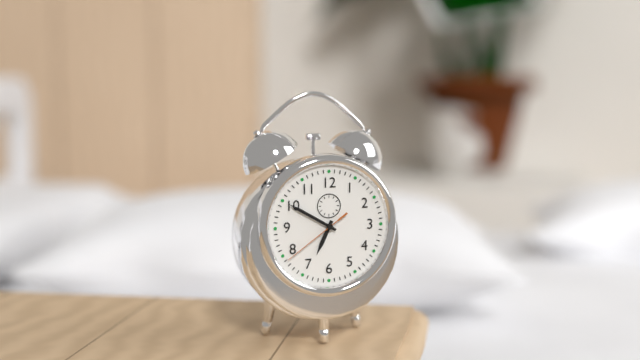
6:50:39
